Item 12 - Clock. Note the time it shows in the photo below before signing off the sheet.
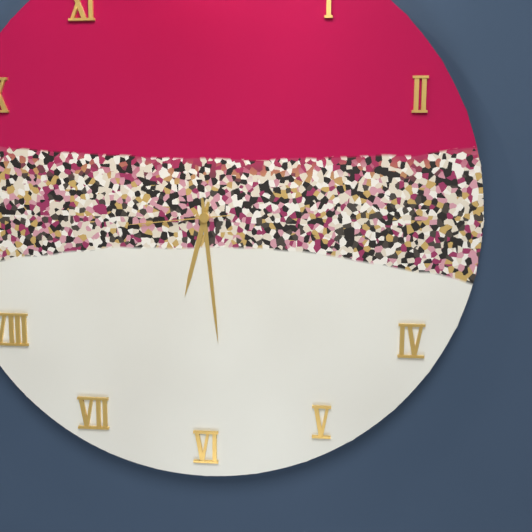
6:29:44
